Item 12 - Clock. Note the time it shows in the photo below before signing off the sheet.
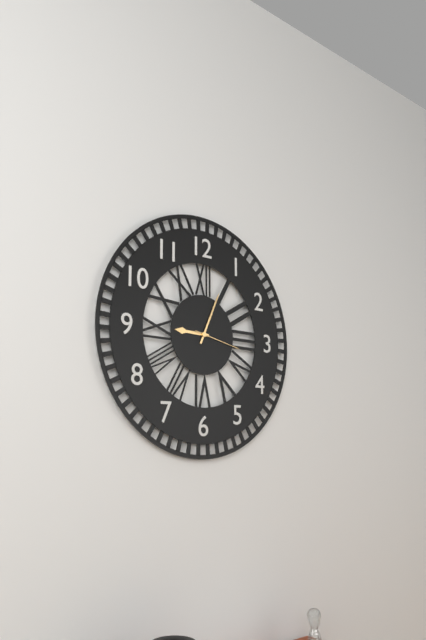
9:04:17
